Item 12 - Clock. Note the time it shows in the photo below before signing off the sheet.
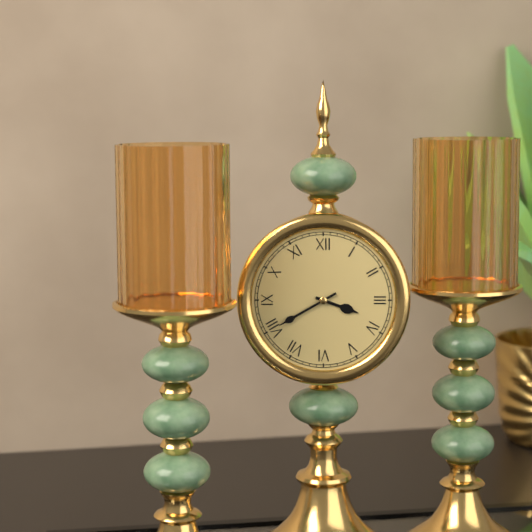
3:40
